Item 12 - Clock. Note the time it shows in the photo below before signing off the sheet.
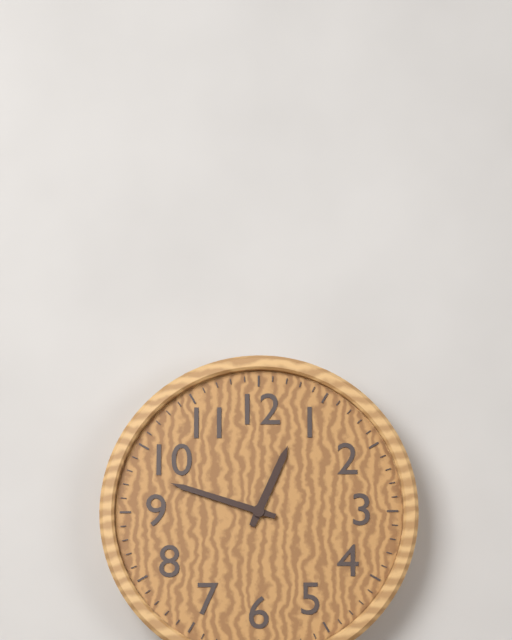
12:48
